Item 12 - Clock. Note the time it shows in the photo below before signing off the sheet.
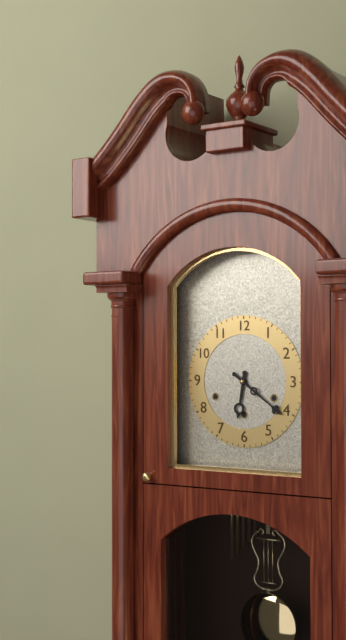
6:21
